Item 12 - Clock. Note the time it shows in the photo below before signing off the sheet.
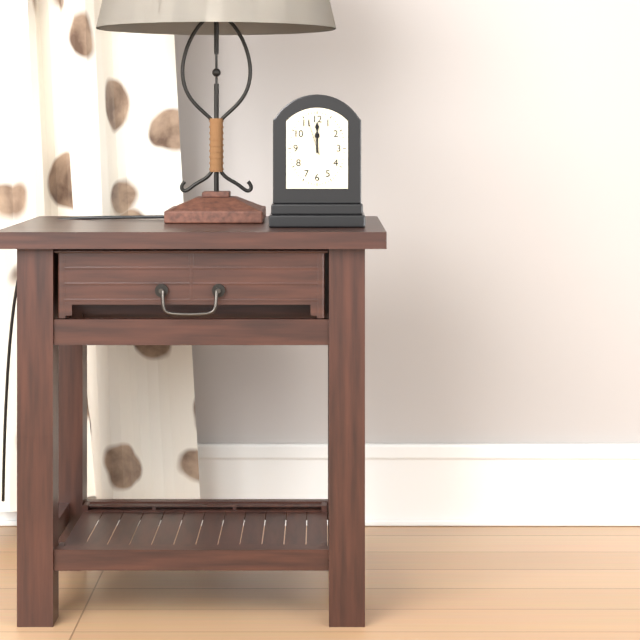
12:00
